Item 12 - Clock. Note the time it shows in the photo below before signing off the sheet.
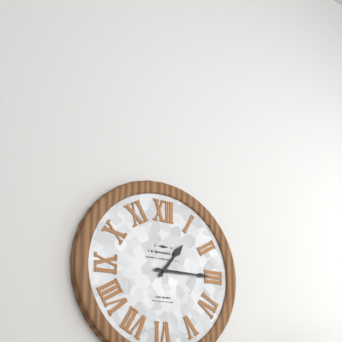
1:15
